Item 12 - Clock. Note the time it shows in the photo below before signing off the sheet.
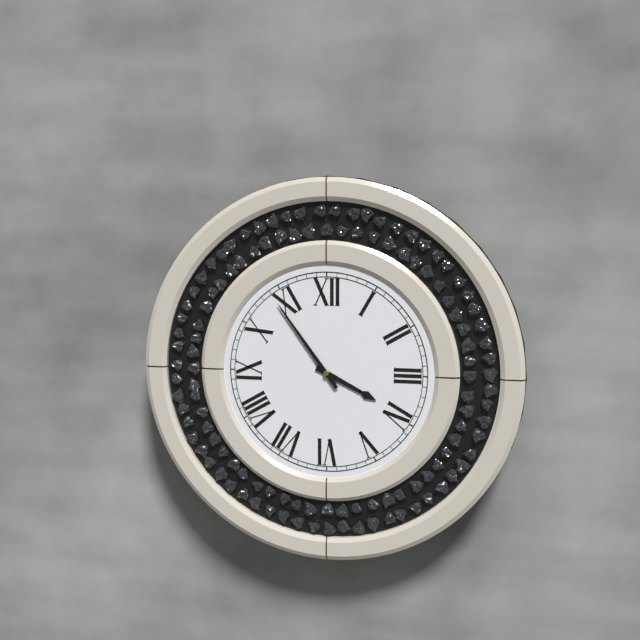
3:54
